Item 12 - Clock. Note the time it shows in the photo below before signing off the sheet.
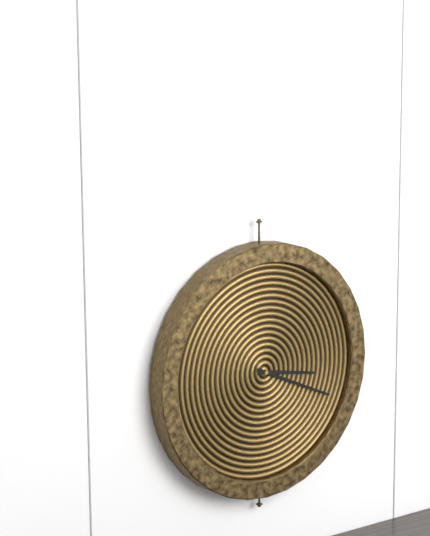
3:19
